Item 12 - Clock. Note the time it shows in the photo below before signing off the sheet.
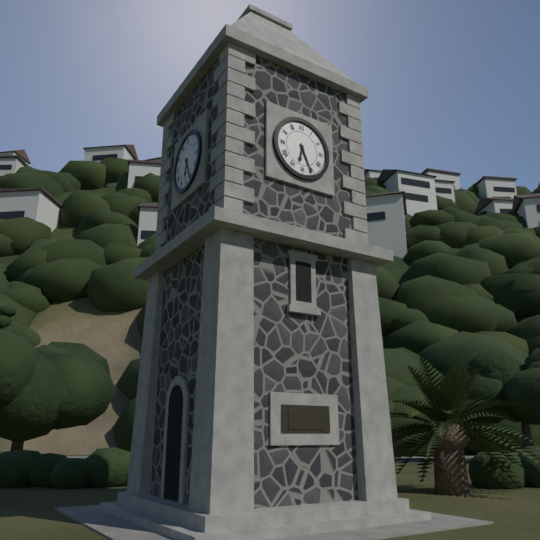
6:26
